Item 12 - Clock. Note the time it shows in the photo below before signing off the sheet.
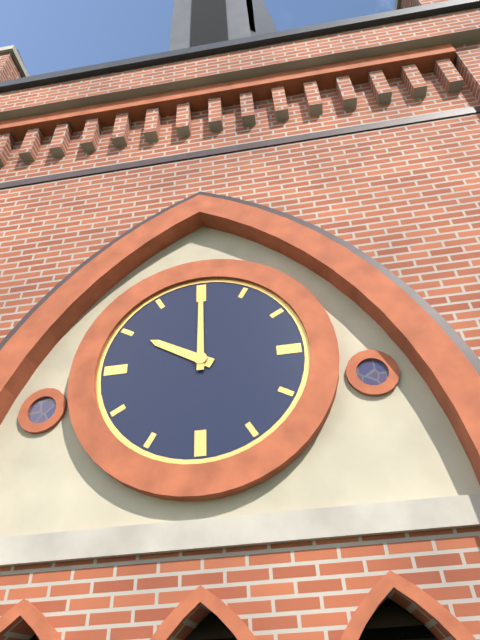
10:00
